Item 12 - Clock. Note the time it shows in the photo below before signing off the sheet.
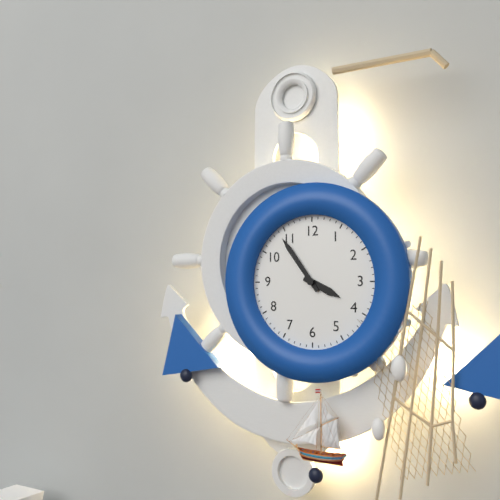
3:54
